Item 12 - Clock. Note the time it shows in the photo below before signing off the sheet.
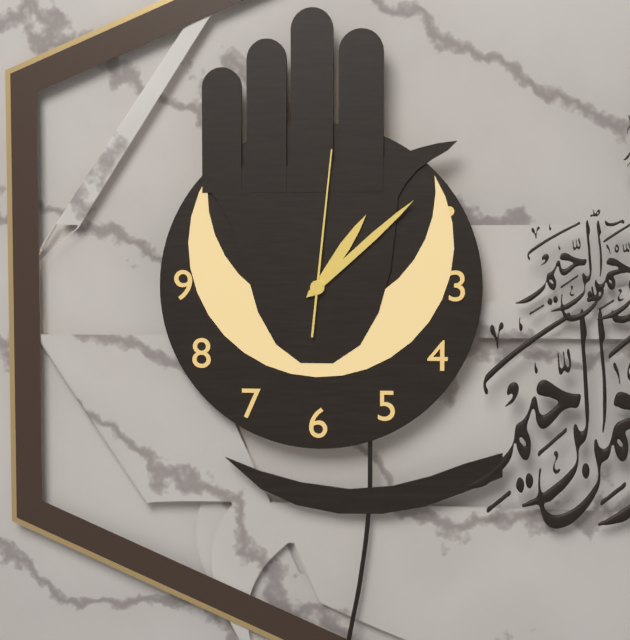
1:08:01
